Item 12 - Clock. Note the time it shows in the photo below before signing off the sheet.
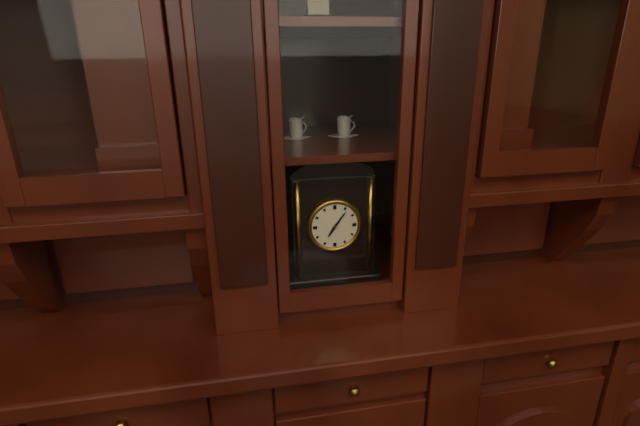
7:06
